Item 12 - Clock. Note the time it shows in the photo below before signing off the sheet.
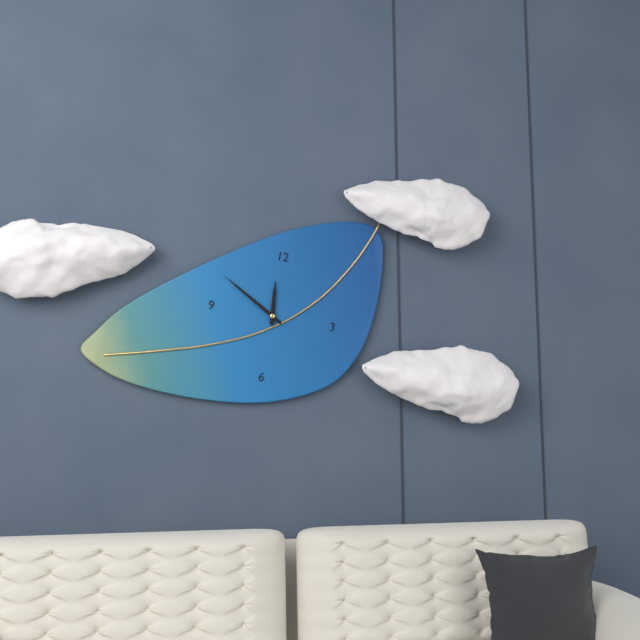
11:50
